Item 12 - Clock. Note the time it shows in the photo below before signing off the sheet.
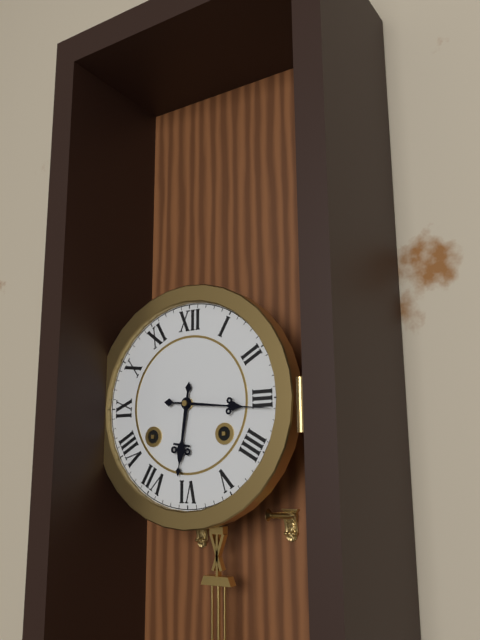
6:16
